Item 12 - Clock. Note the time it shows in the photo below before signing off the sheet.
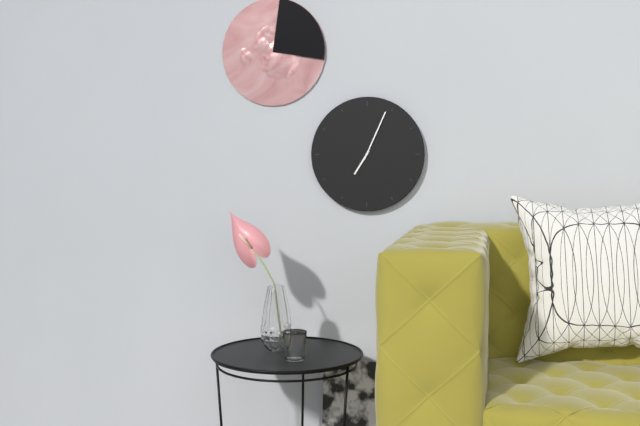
7:04
